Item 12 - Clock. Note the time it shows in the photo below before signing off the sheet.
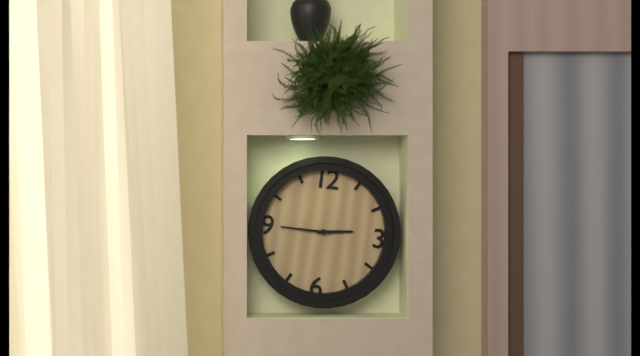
2:45
